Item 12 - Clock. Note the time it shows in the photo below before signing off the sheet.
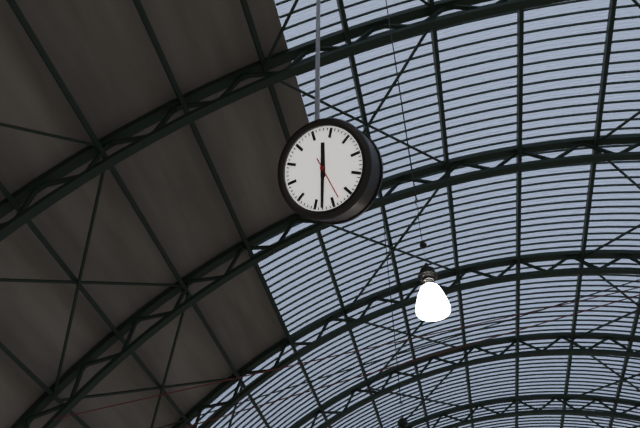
12:33
